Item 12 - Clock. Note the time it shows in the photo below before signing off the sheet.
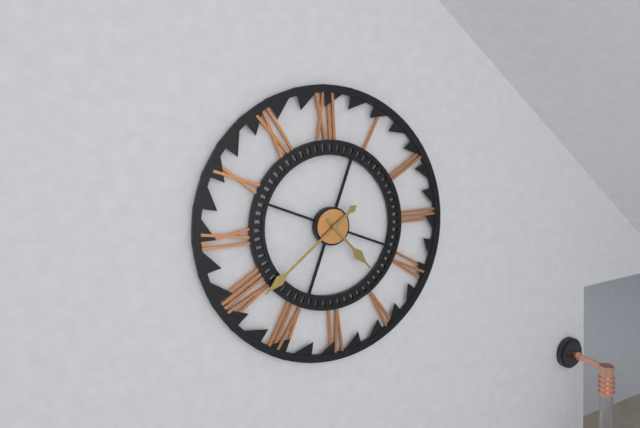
4:39
